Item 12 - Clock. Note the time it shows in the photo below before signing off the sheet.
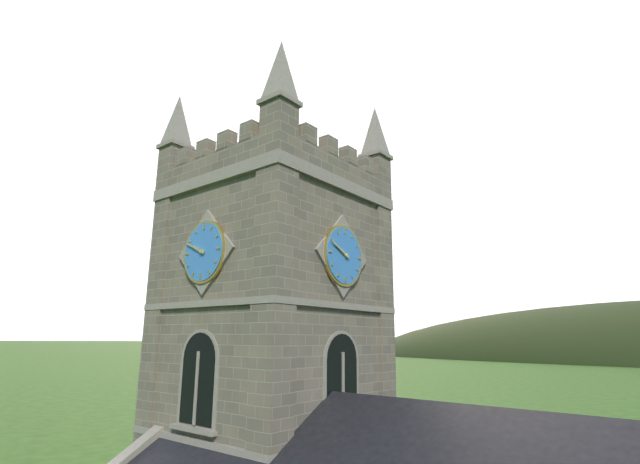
9:49
